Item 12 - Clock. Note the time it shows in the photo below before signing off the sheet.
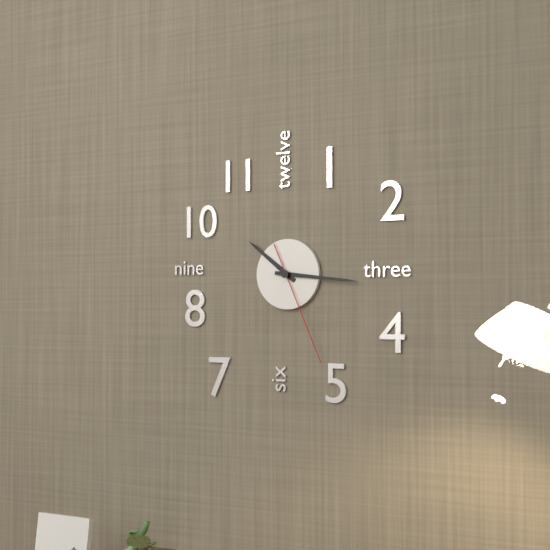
10:16:26
